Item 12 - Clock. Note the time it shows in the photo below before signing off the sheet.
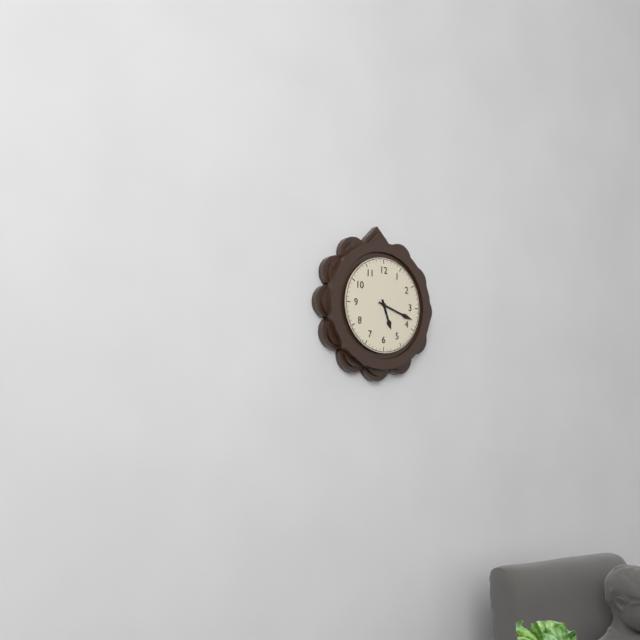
5:18
